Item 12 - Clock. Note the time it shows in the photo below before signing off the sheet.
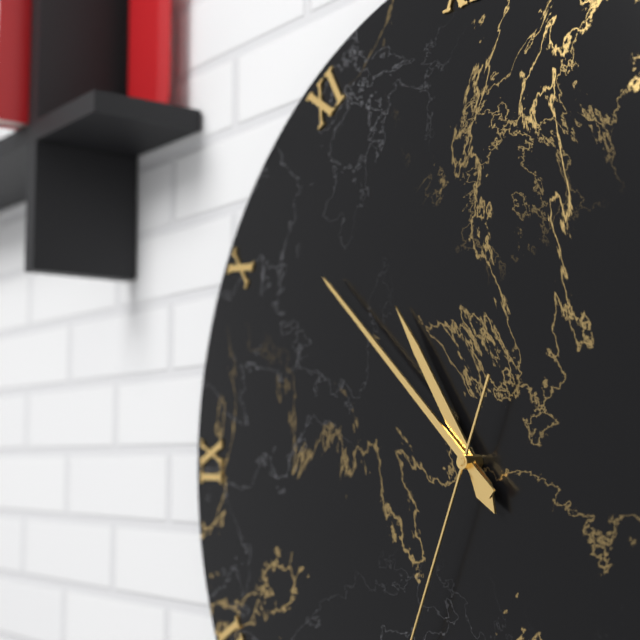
10:52
